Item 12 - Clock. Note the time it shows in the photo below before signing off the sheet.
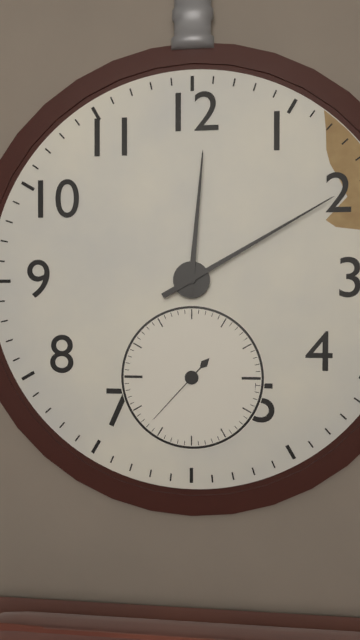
12:10:37
